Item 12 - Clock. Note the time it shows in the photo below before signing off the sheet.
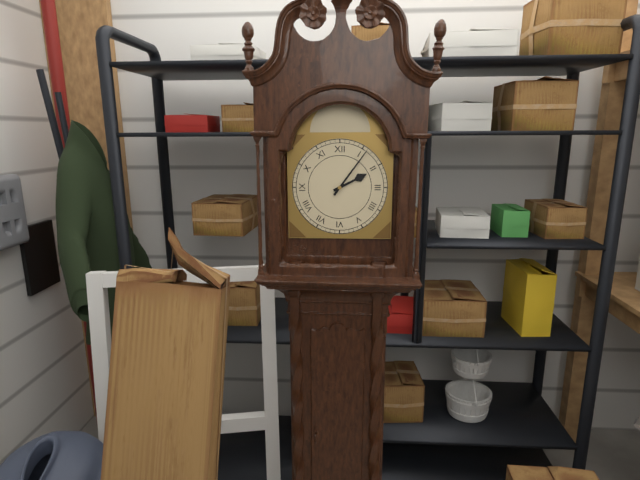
2:06
